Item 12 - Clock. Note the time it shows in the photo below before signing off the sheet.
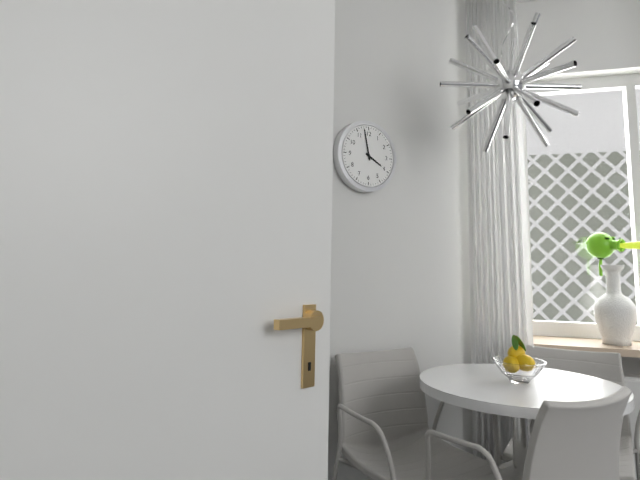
3:58
